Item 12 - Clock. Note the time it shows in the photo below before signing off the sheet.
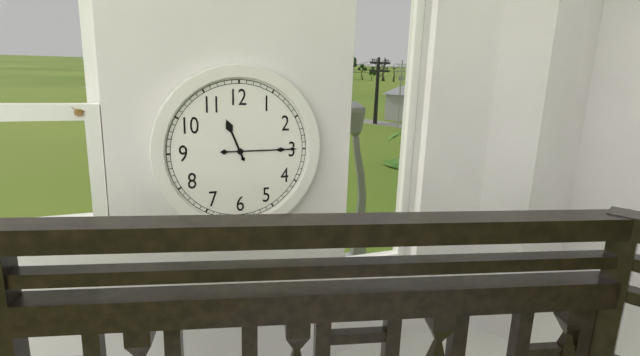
11:15
